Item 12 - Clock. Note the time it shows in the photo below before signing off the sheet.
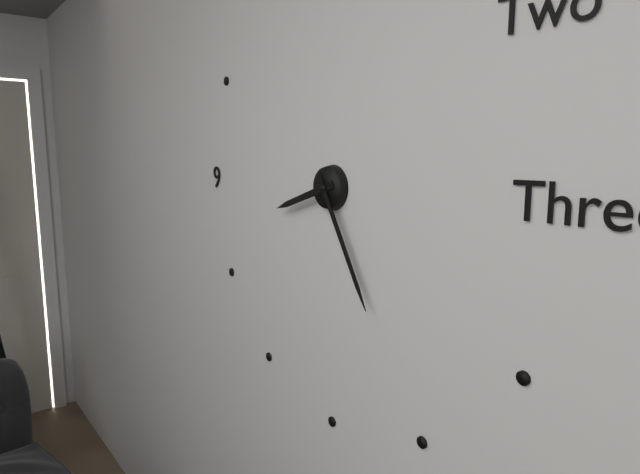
8:25
